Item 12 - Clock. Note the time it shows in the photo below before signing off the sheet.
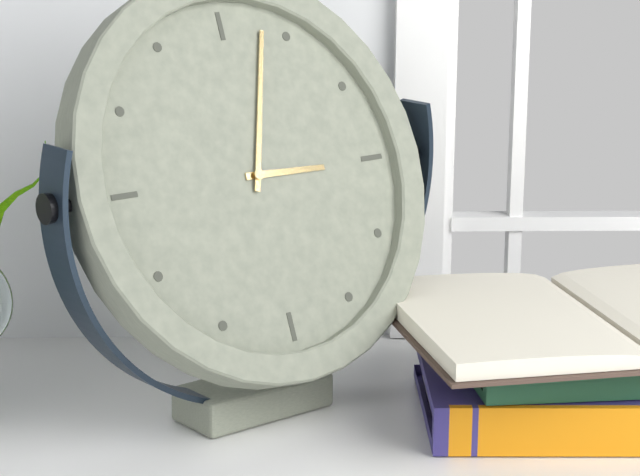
3:03
